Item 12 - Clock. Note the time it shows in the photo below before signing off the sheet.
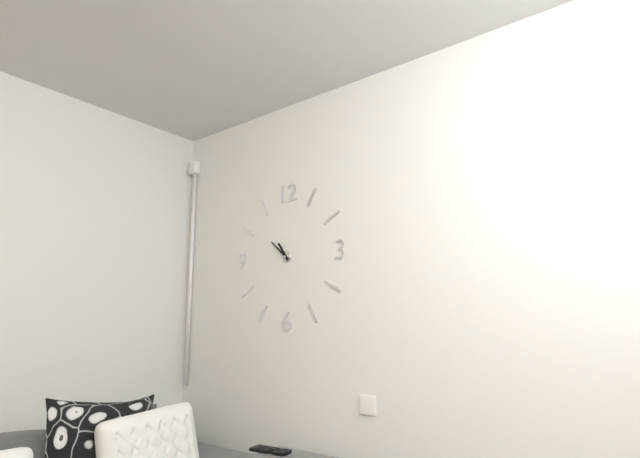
10:52
